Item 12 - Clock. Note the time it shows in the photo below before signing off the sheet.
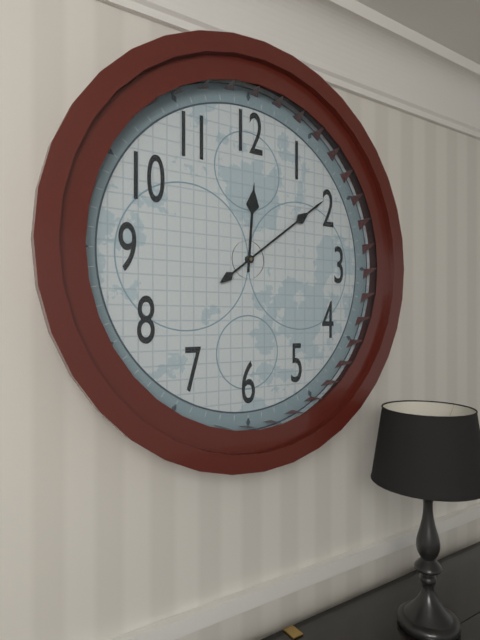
12:09
